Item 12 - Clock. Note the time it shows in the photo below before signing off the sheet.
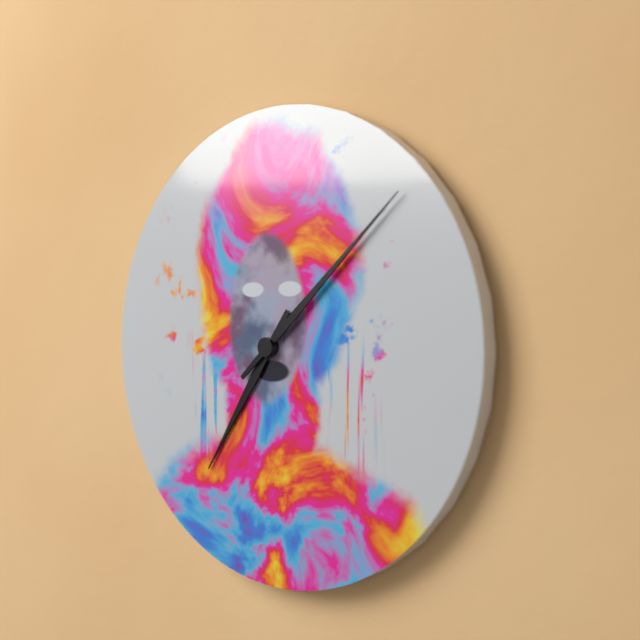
7:08
